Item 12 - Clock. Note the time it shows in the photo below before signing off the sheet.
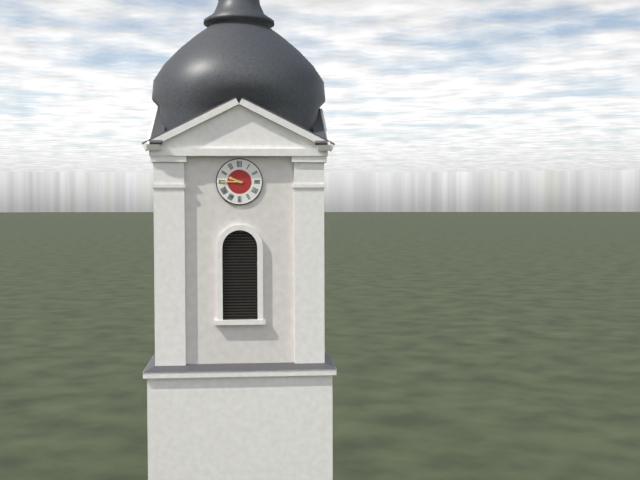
9:45
